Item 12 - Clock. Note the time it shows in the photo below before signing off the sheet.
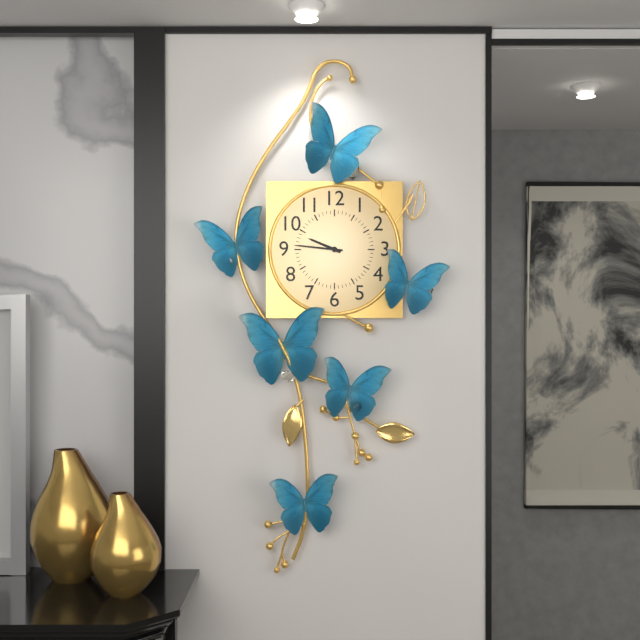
9:46
